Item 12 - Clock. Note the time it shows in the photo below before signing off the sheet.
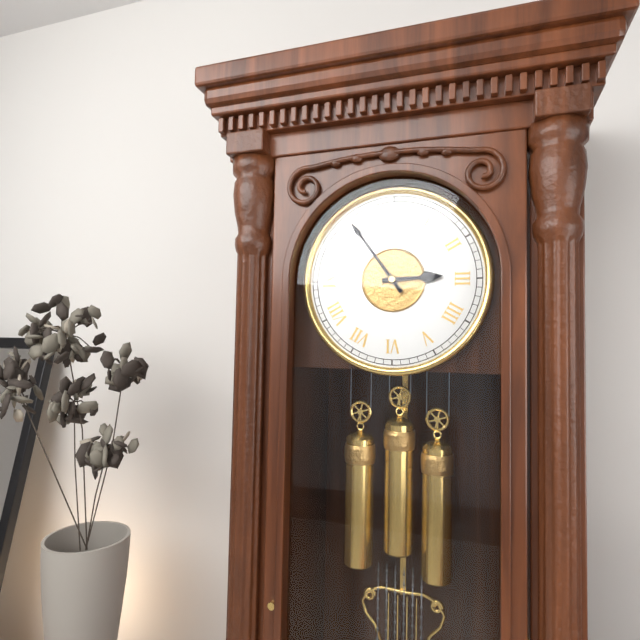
2:54
